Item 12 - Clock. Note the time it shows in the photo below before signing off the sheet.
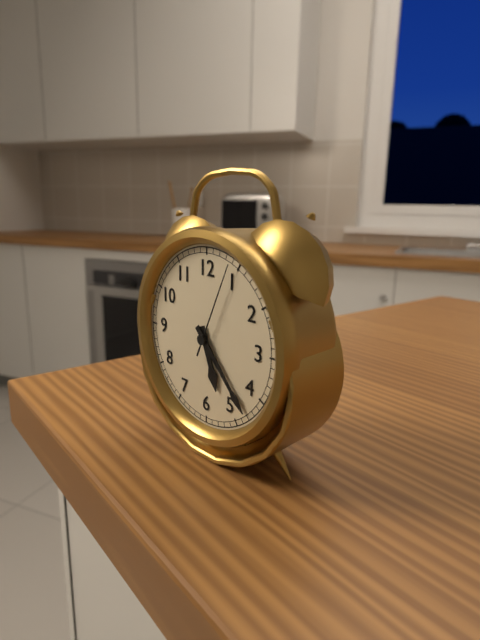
5:23:04
